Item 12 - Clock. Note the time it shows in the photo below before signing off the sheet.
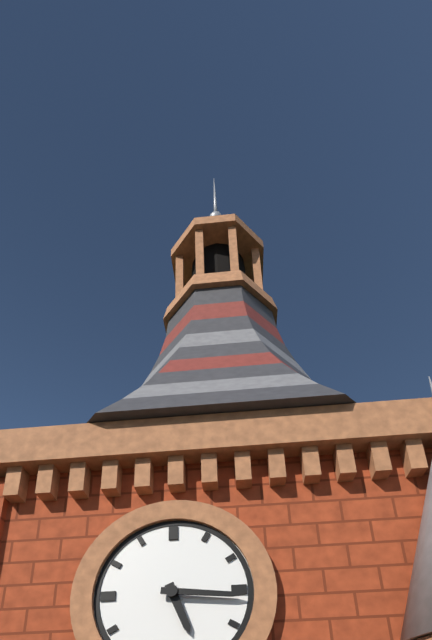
5:16
